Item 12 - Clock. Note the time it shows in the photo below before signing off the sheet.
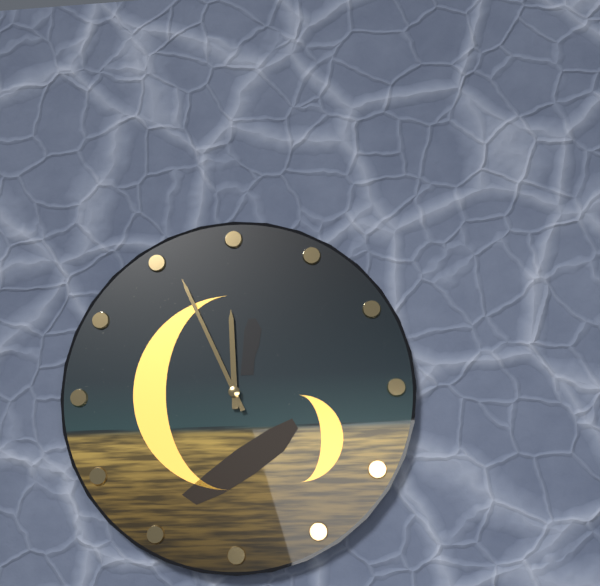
11:56
